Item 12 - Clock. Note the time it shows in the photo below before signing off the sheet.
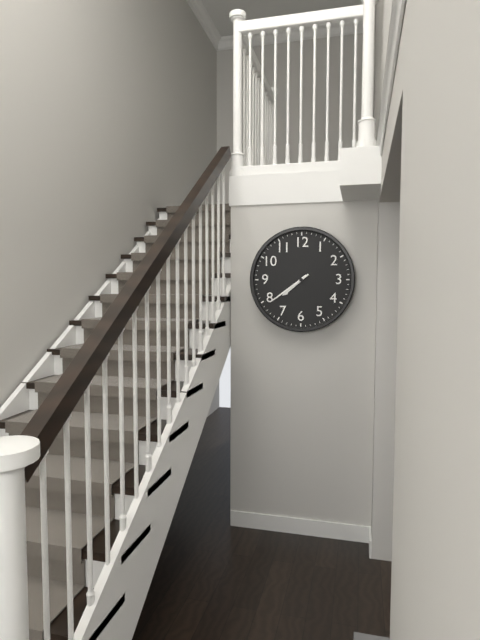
7:39
